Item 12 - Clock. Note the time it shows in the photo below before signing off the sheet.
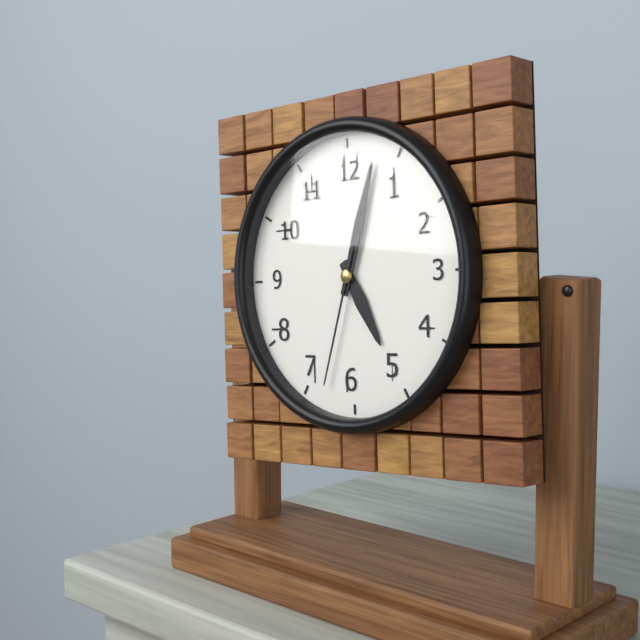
5:03:33
